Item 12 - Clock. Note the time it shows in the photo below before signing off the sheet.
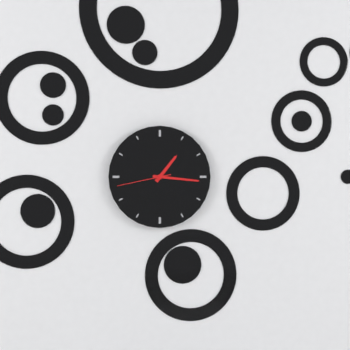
1:16:43
